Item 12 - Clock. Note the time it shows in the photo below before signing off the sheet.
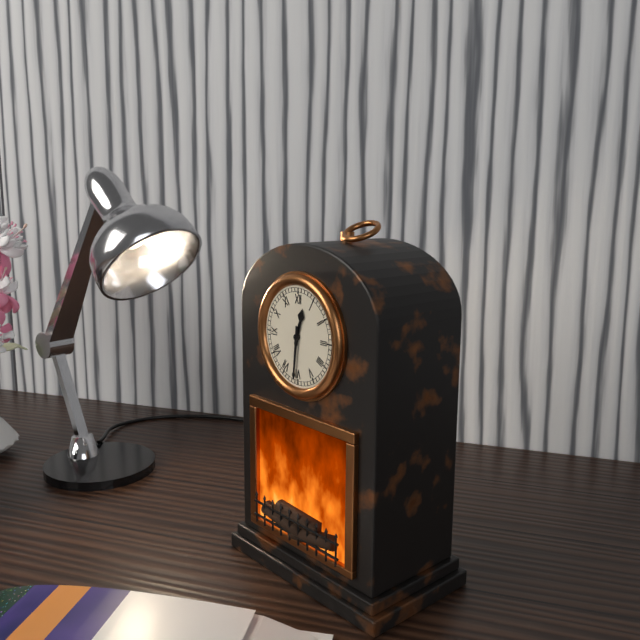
12:31
